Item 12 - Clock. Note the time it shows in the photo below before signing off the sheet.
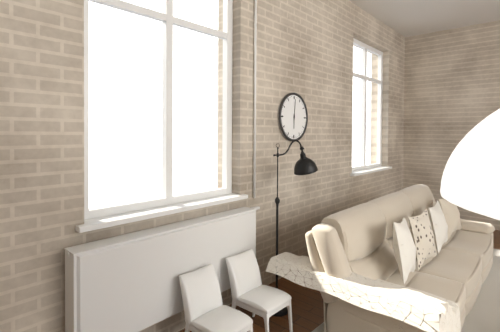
6:01
